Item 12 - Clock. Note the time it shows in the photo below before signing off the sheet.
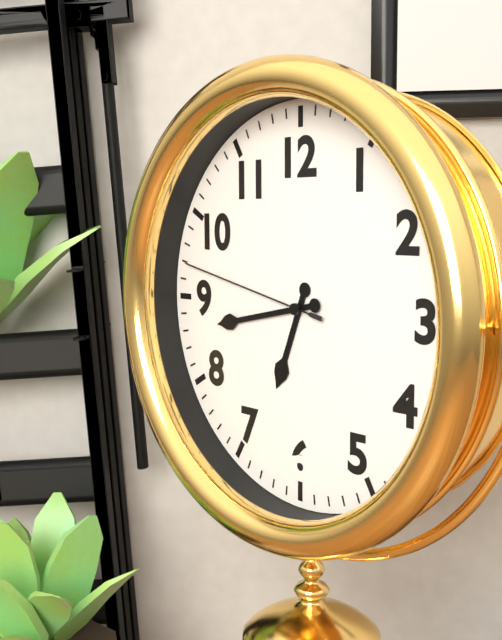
6:43:47
